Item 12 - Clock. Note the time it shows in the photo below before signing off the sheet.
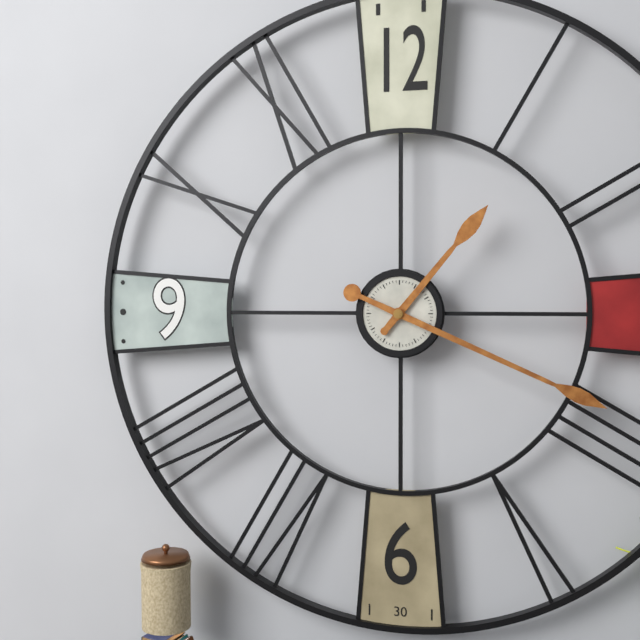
1:19
